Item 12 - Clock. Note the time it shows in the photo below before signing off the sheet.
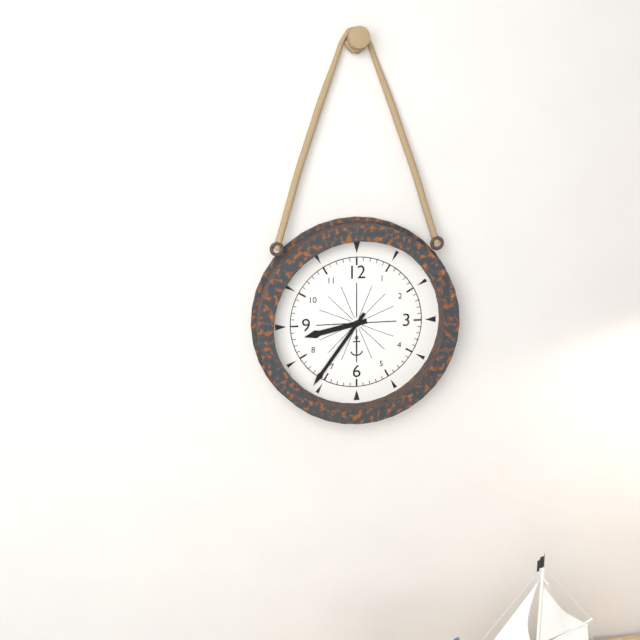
8:36
